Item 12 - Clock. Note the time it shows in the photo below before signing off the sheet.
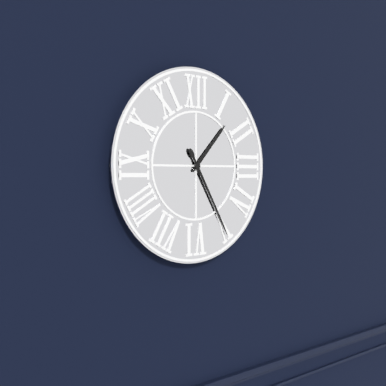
1:25
